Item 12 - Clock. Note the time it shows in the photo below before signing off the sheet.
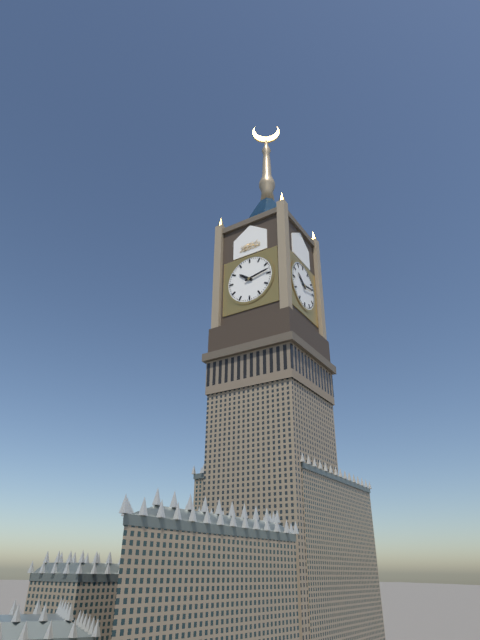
10:13
